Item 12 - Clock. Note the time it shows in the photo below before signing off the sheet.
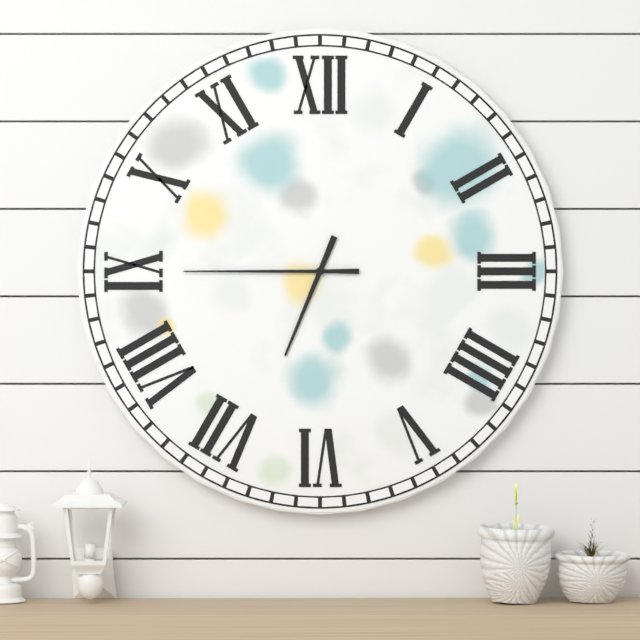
6:45
